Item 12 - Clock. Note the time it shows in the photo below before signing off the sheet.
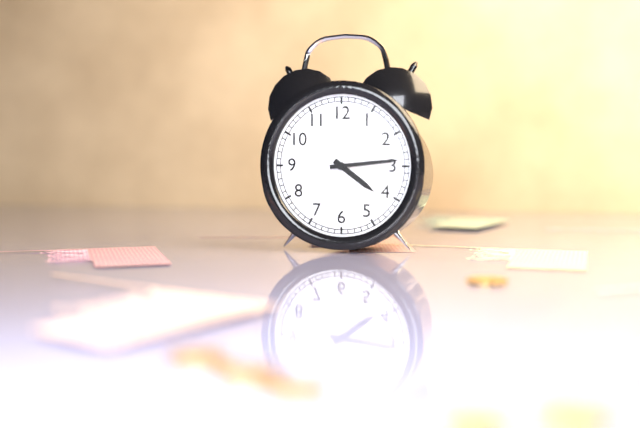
4:14
